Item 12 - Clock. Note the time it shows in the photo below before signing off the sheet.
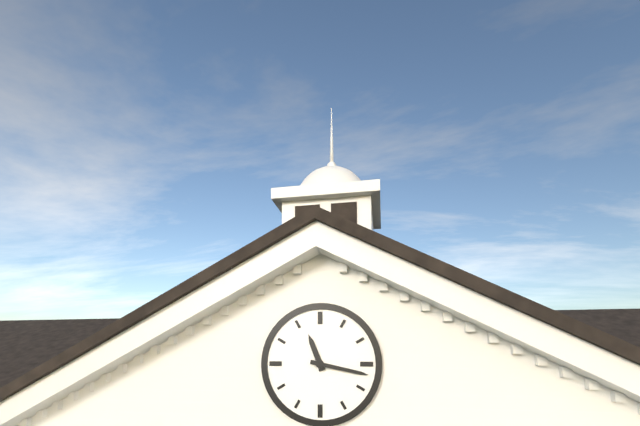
11:17
